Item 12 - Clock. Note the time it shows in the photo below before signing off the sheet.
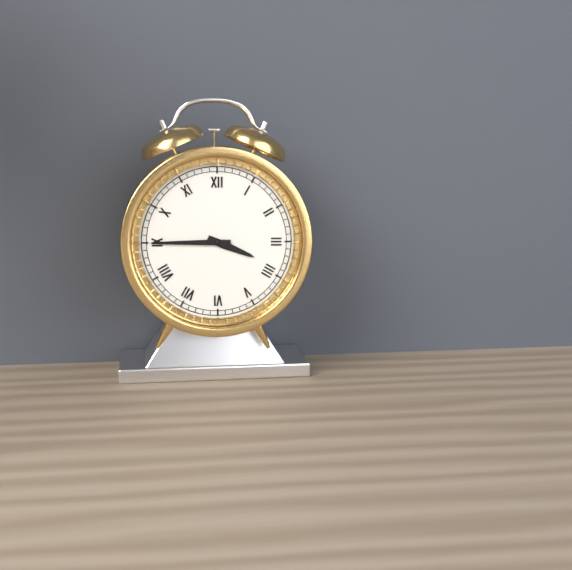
3:45
